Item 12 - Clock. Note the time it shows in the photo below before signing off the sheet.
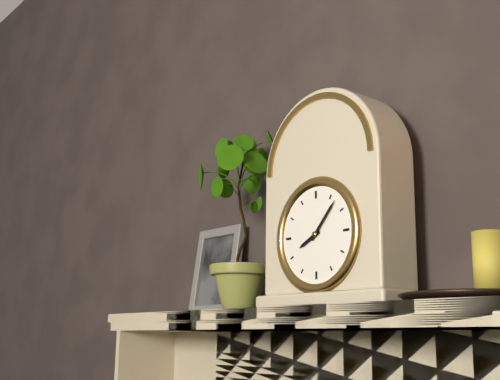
8:07
